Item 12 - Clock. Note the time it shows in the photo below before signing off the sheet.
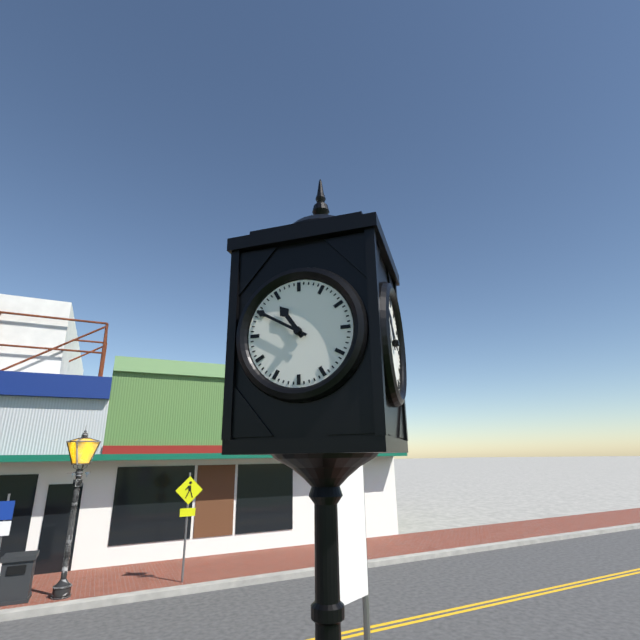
10:50
